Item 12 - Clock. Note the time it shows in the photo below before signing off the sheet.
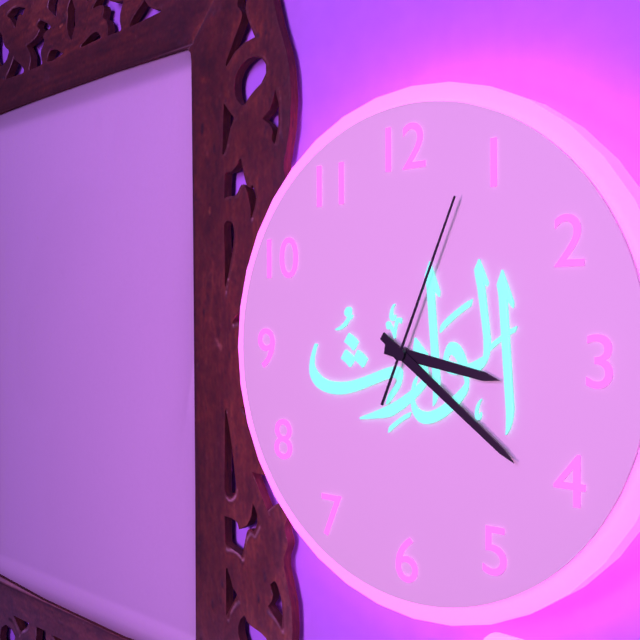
3:21:04
